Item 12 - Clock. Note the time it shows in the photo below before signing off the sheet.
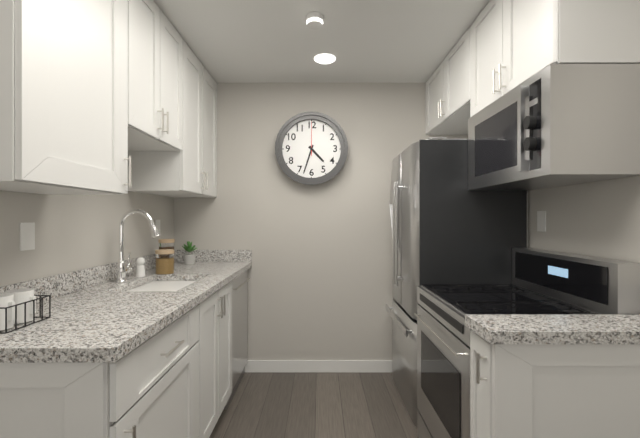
4:33
